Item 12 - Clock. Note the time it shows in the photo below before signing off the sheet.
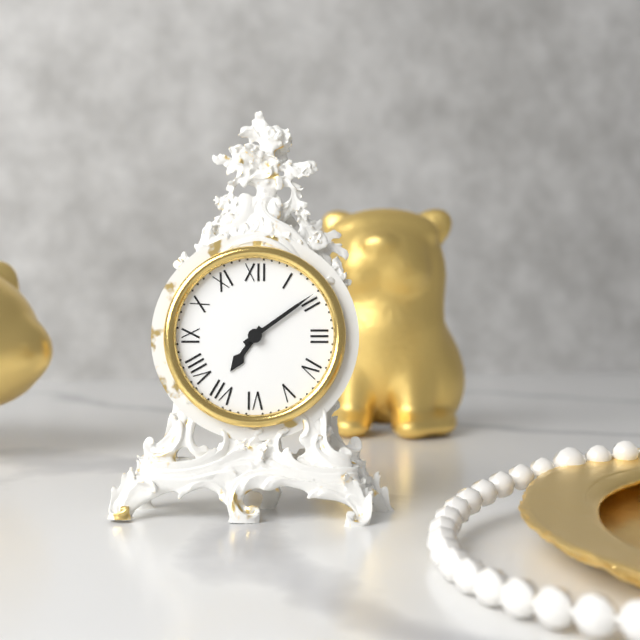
7:09
